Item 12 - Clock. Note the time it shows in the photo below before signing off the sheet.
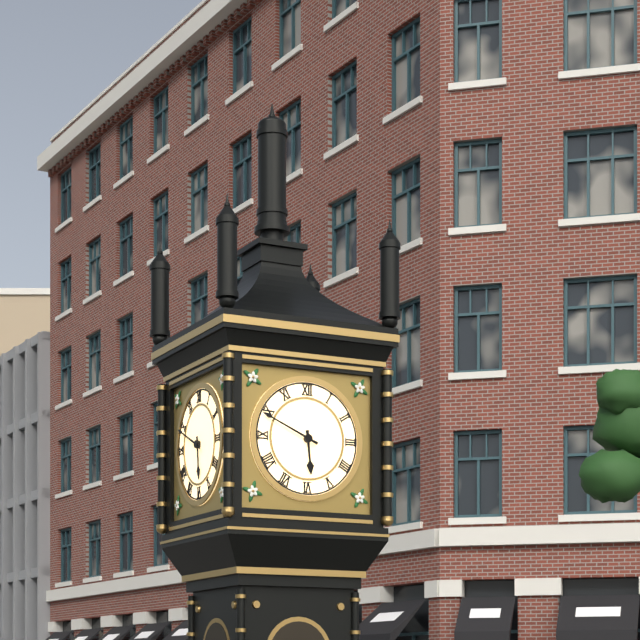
5:49
